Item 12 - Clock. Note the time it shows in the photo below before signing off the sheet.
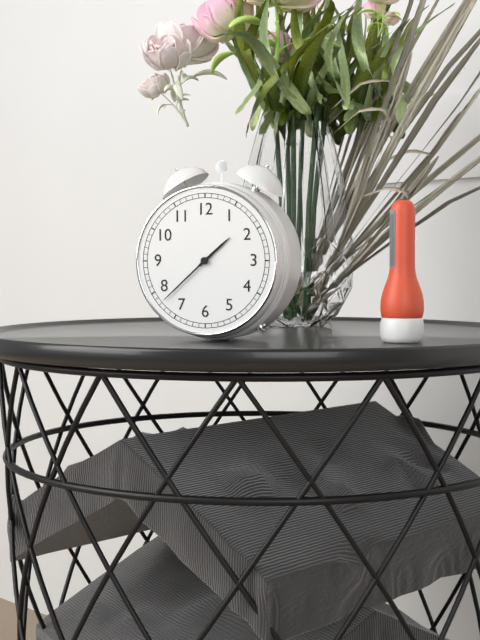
1:38
